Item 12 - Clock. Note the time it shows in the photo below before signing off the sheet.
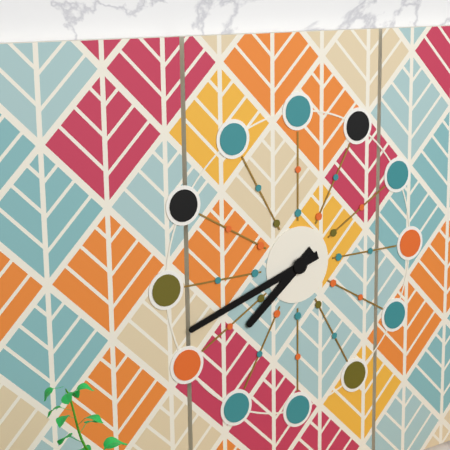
7:42
